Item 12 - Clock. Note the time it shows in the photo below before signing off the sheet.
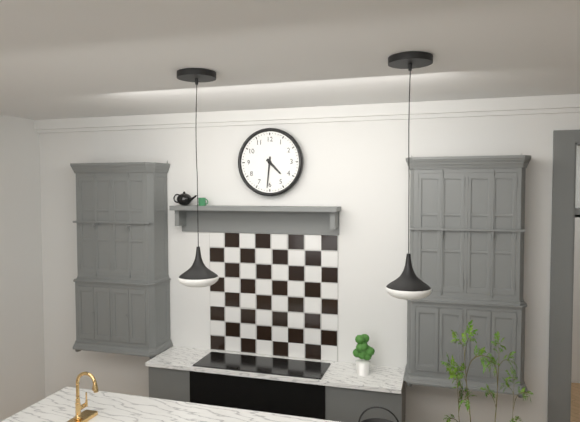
4:31
